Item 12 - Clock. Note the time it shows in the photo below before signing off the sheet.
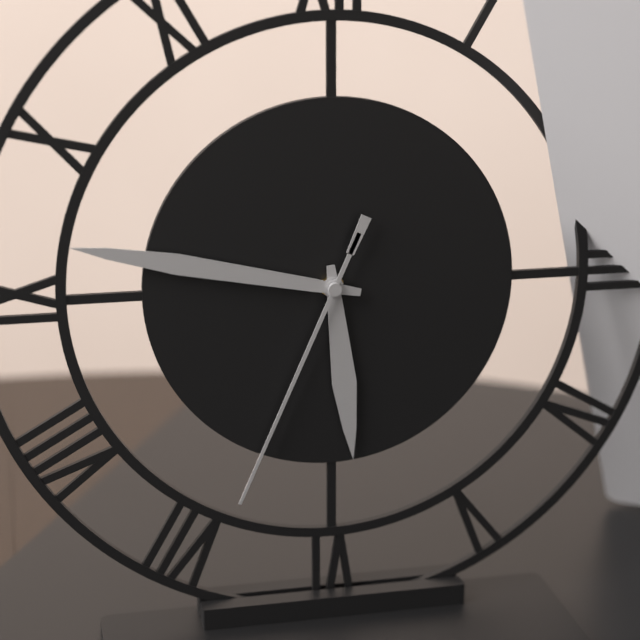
5:47:34
